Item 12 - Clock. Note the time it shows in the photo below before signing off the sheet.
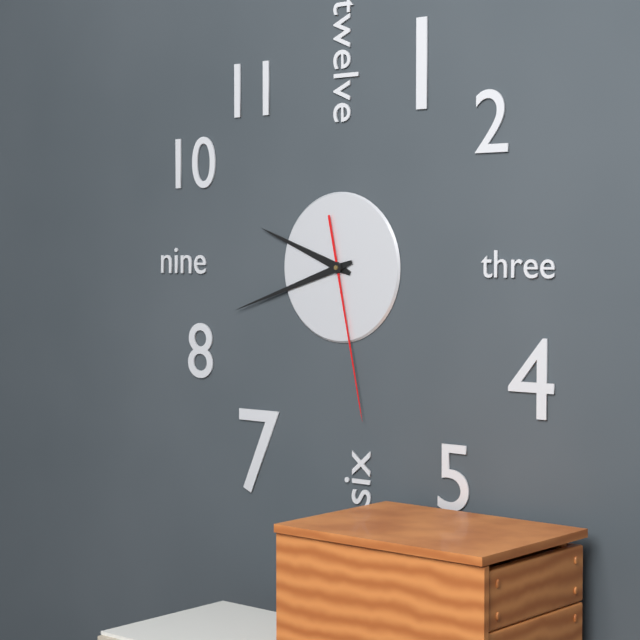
9:42:28
